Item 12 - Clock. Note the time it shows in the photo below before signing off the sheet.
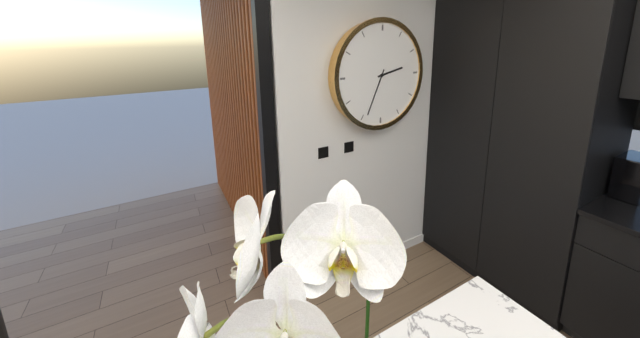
2:34
